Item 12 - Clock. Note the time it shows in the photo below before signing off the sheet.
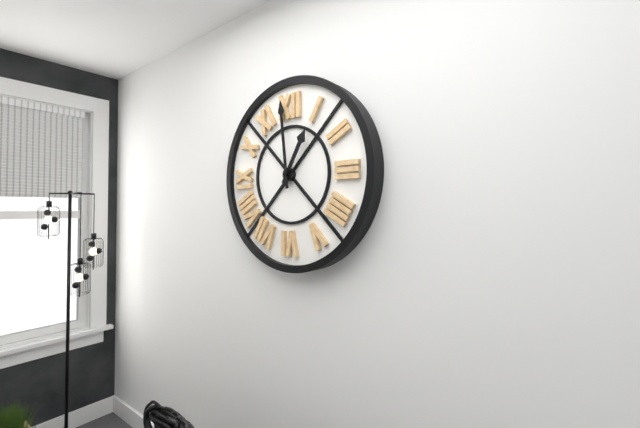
12:59
